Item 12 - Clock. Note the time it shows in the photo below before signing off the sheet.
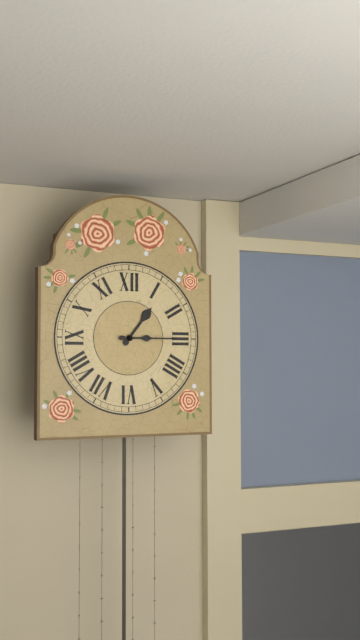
1:15
